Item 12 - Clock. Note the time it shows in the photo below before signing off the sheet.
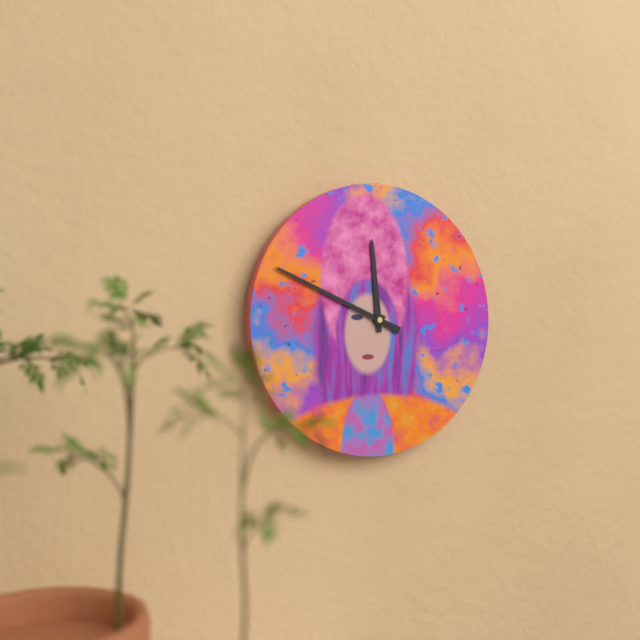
11:49
